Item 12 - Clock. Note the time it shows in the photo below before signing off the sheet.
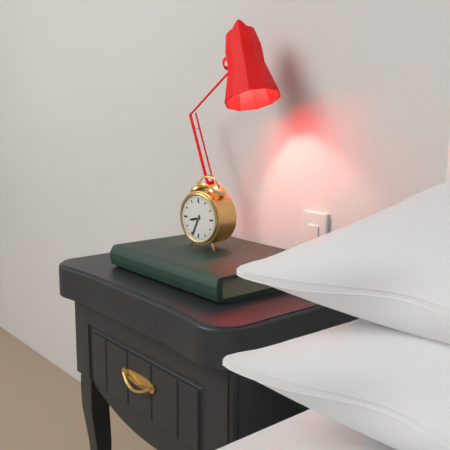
8:34
